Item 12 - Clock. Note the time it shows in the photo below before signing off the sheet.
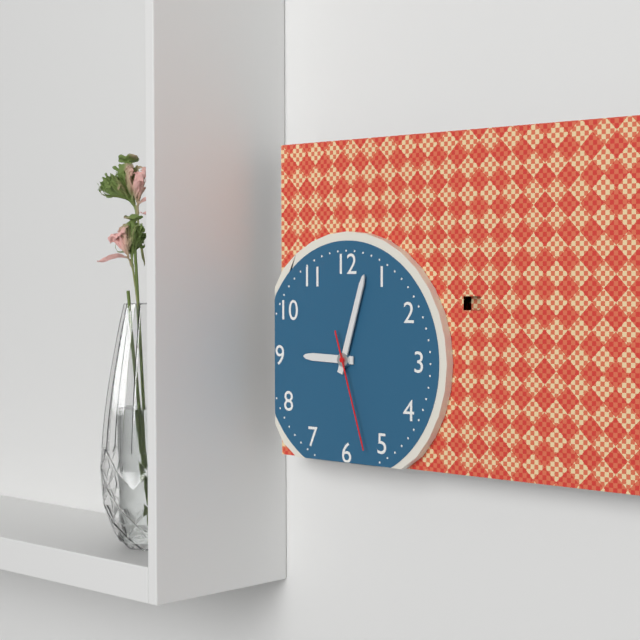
9:03:27
